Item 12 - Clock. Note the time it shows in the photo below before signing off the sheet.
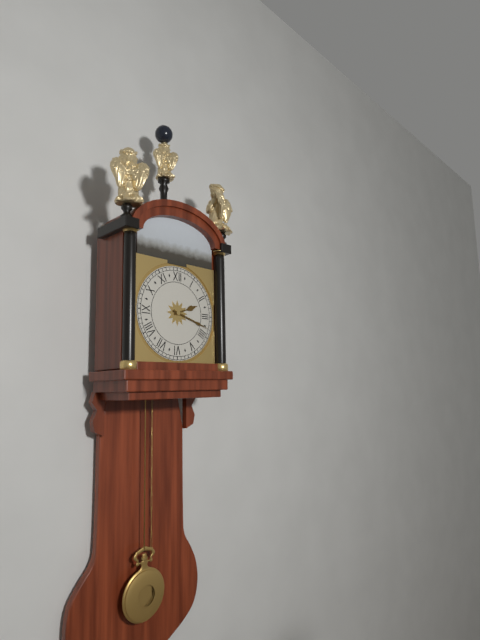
2:18
